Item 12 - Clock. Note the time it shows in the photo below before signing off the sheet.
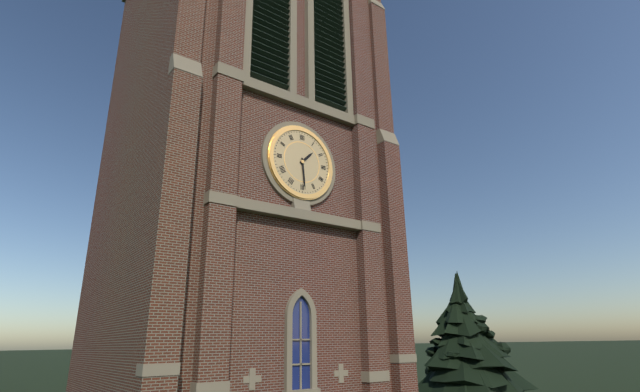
1:29
